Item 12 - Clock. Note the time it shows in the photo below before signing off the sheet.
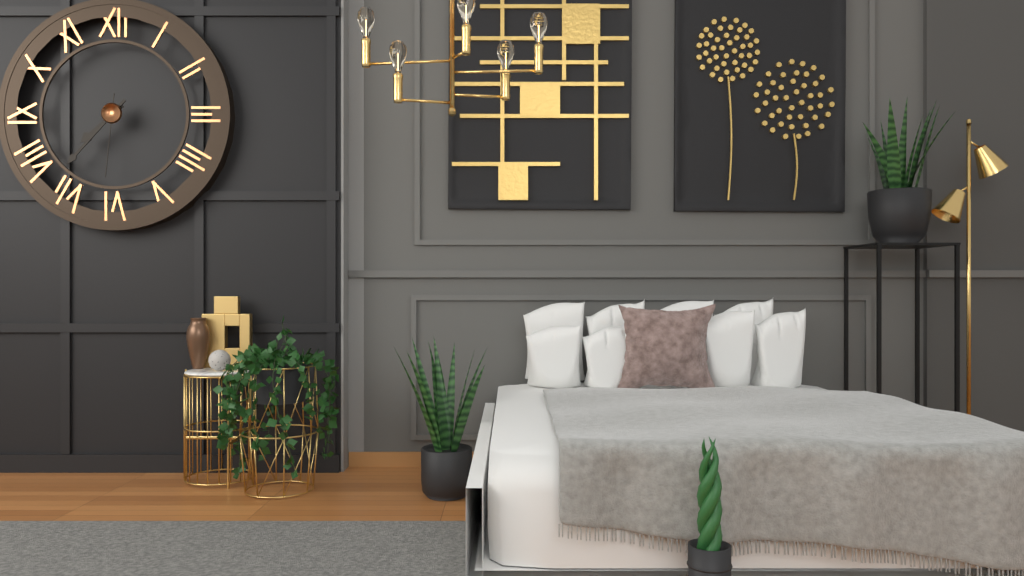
7:37:31
